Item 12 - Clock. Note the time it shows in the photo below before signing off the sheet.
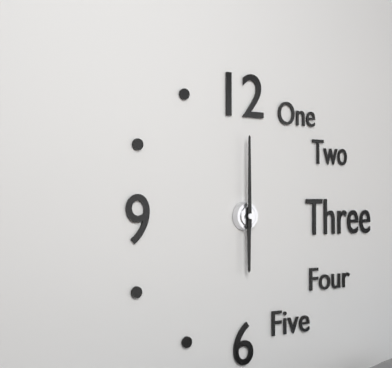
6:00
